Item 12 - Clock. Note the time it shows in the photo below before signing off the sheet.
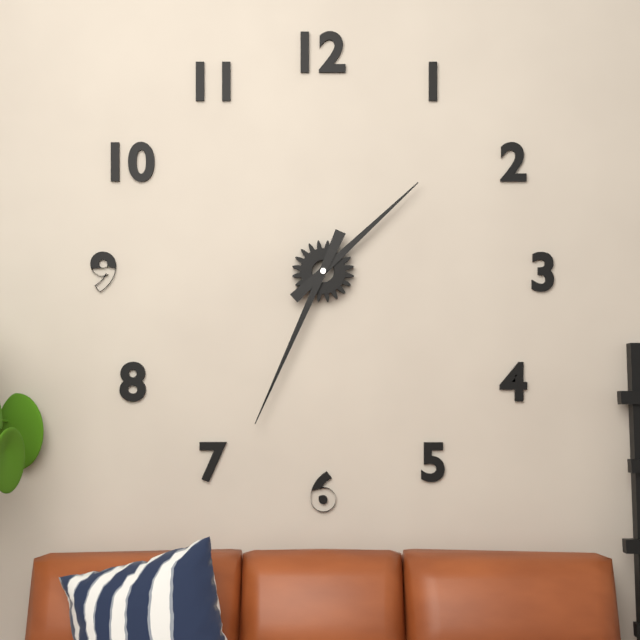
1:34
